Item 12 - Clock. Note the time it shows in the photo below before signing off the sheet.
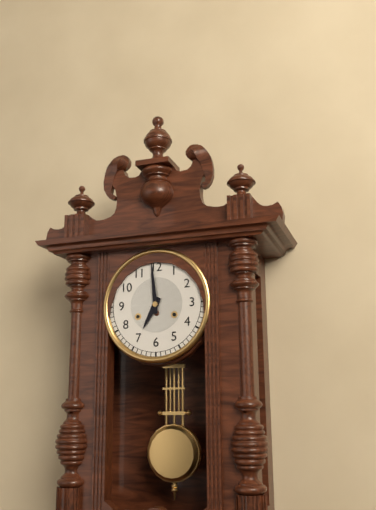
6:59
